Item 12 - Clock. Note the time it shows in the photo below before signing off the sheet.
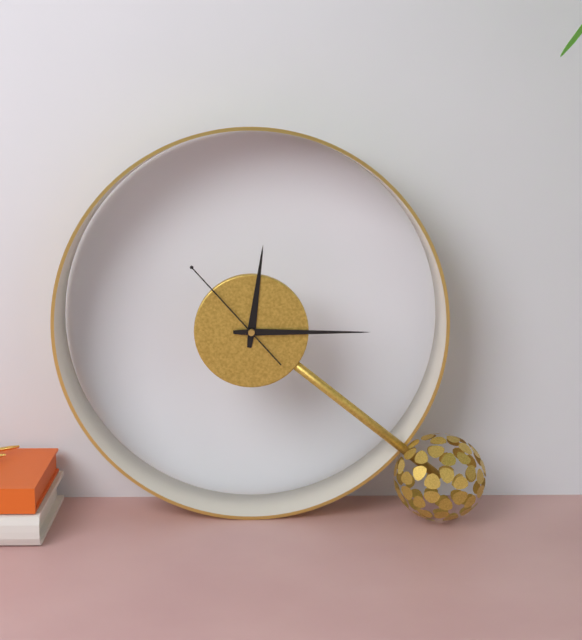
12:15:53
